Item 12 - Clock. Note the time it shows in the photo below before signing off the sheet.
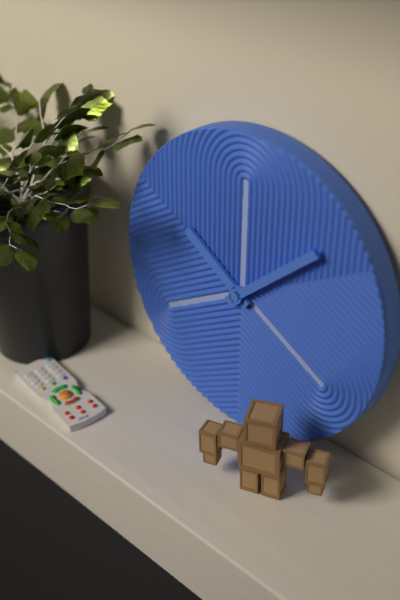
10:08
